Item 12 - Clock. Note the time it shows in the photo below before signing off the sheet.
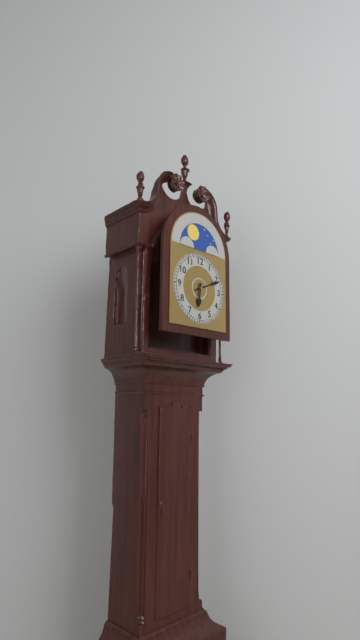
6:11
